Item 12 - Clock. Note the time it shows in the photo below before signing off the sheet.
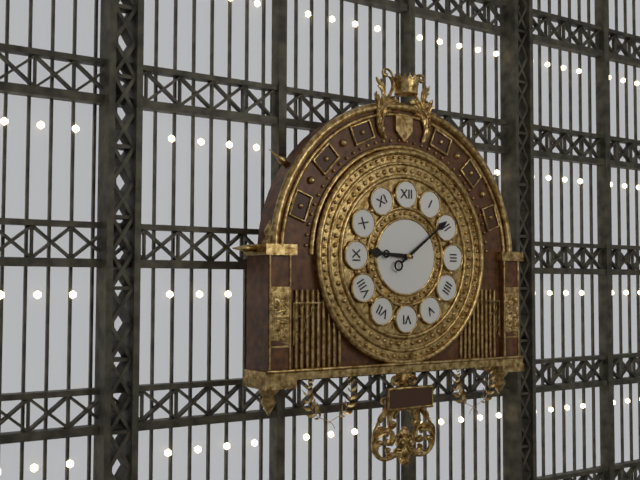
9:09
